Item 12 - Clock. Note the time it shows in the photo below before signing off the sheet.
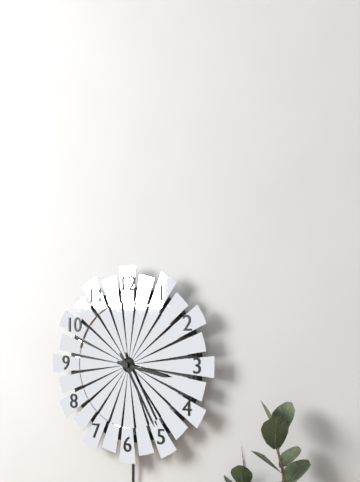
3:25
